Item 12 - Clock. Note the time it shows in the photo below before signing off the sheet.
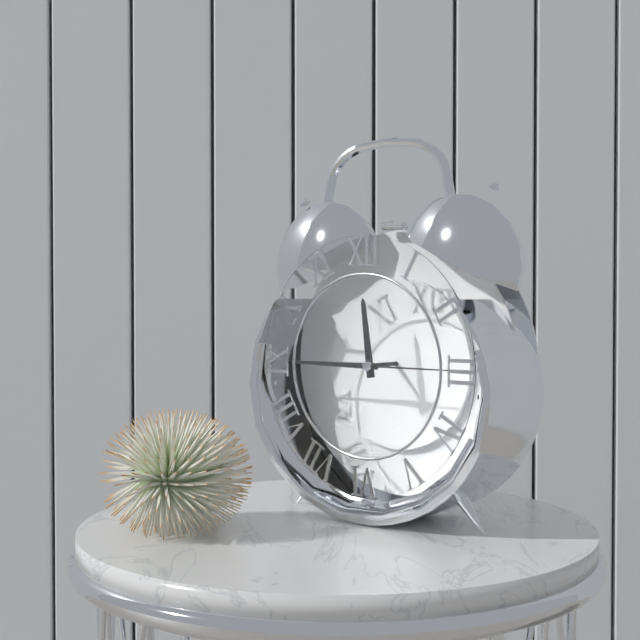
11:45:15
